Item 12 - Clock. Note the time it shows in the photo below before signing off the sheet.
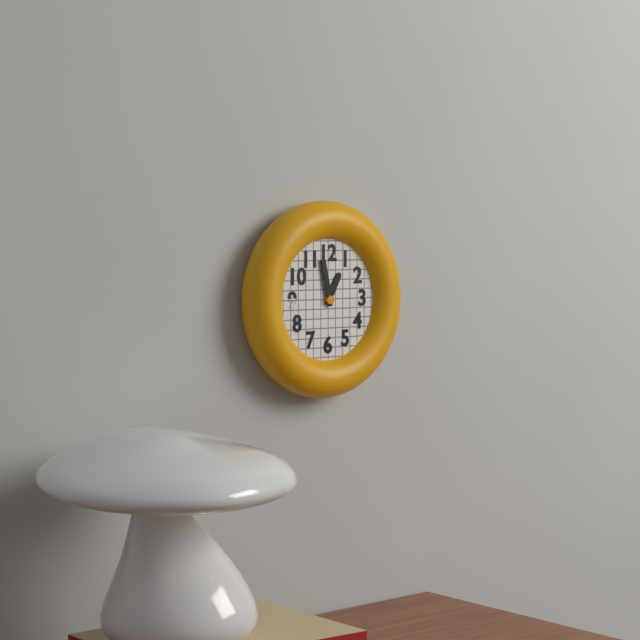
12:58
